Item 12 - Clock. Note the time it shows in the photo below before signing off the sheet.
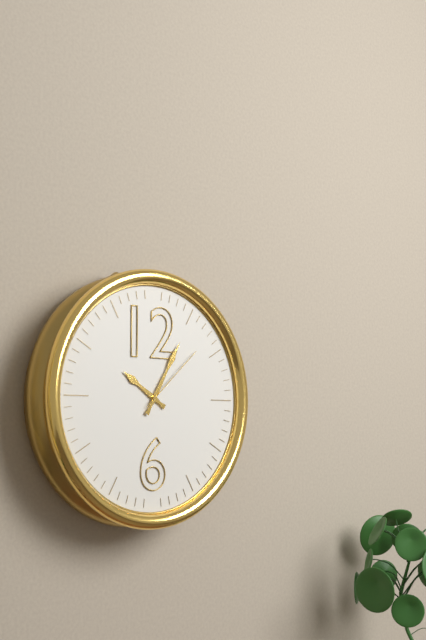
10:05:08
